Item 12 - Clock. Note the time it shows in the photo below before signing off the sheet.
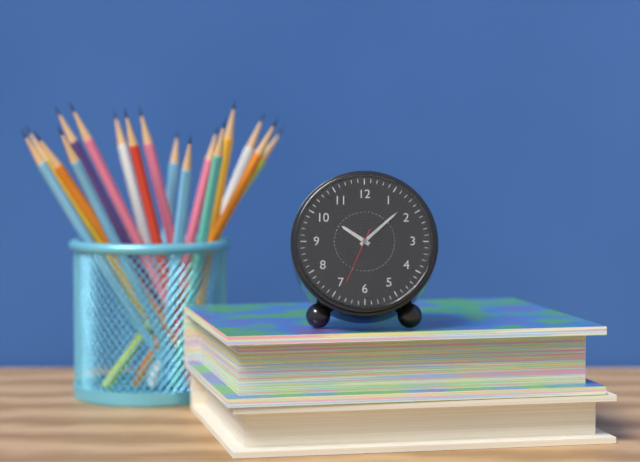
10:08:34
